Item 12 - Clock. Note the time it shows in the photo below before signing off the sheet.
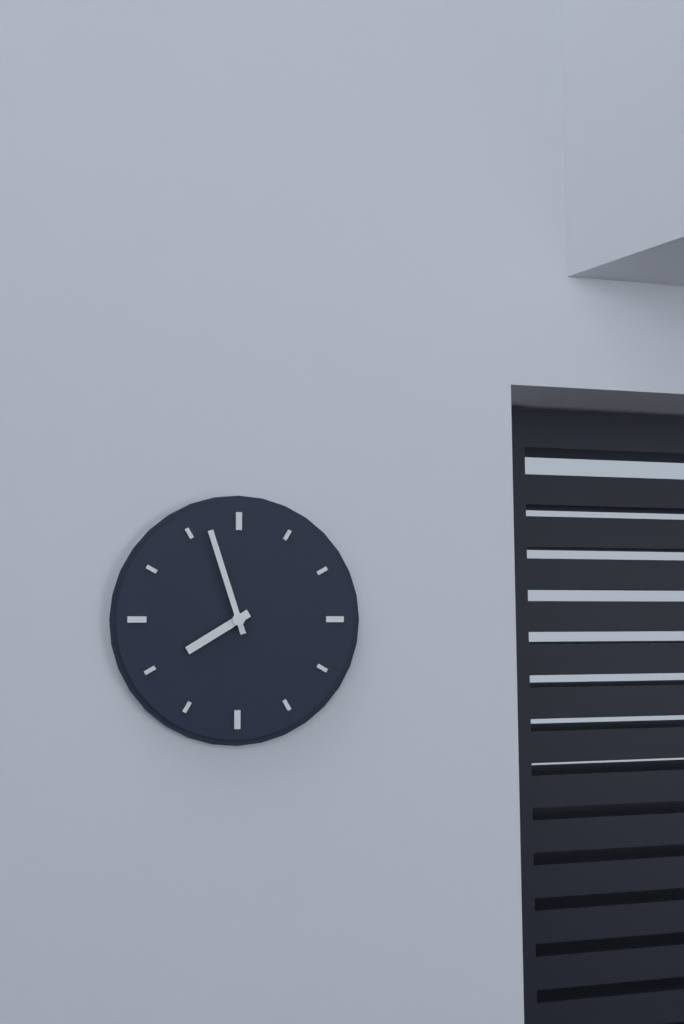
7:57
